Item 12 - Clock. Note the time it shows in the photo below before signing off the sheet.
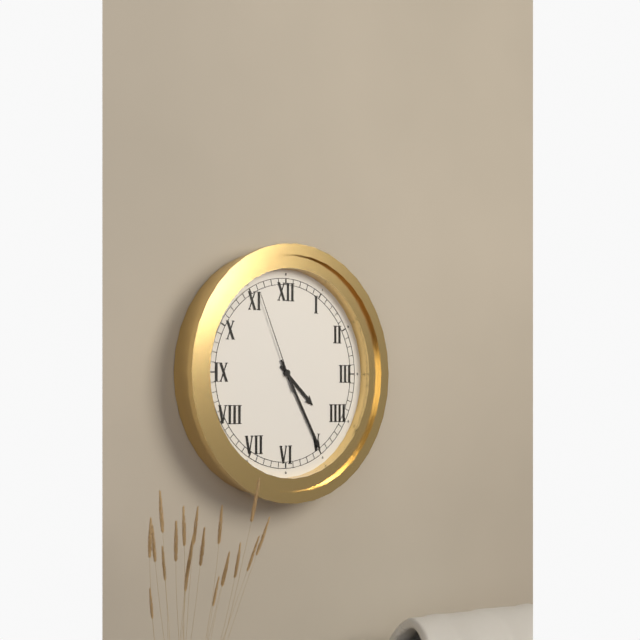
4:25:56
